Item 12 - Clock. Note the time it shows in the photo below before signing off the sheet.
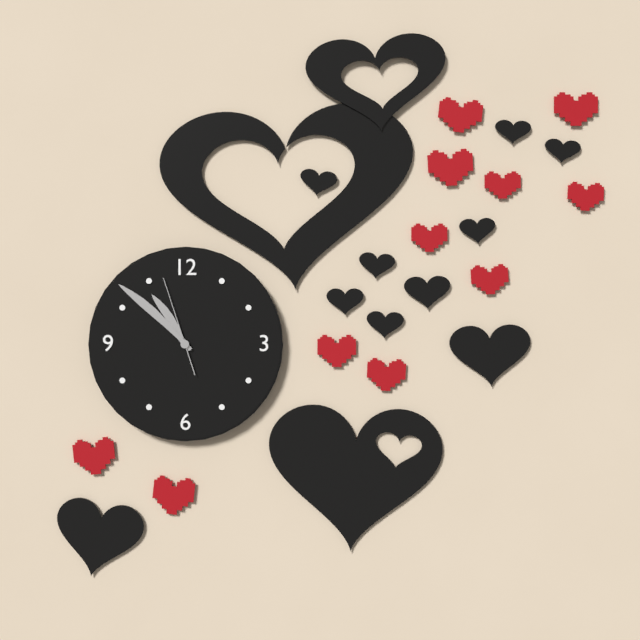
10:52:57
